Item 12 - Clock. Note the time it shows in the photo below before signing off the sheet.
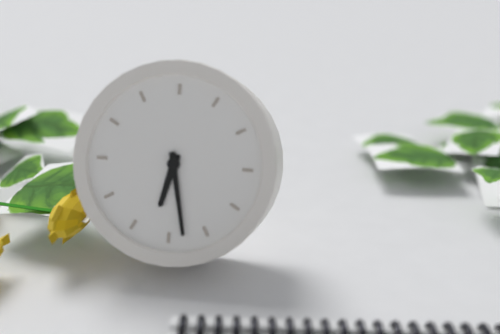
6:28
